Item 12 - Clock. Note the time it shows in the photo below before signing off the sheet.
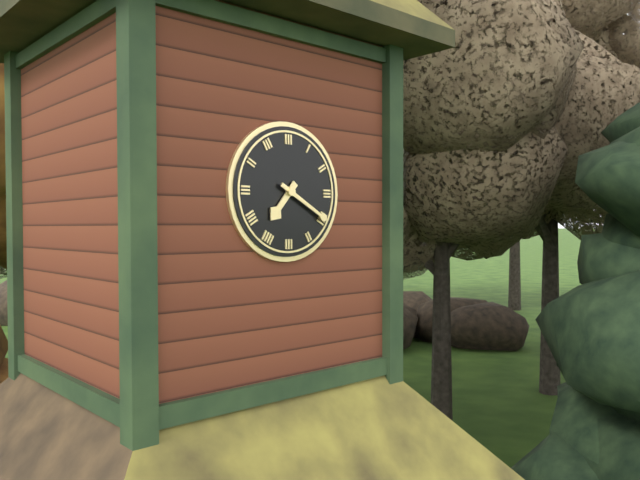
7:20
